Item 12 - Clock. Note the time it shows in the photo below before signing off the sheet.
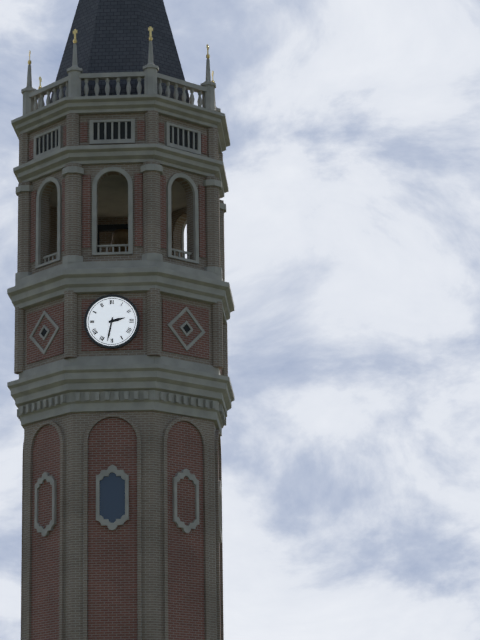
2:32
